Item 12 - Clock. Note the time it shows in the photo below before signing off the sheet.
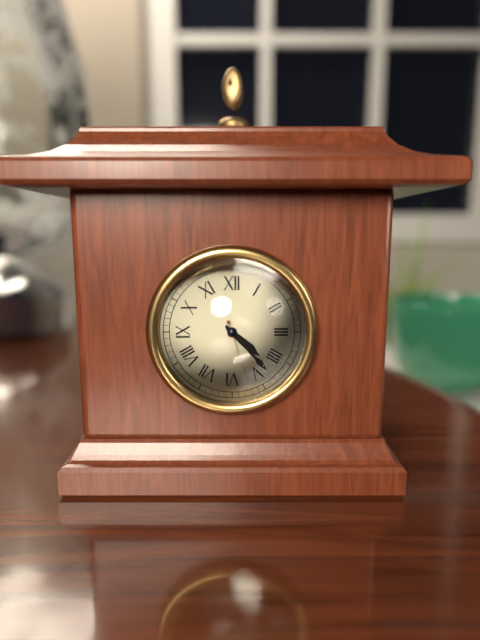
4:23:27
